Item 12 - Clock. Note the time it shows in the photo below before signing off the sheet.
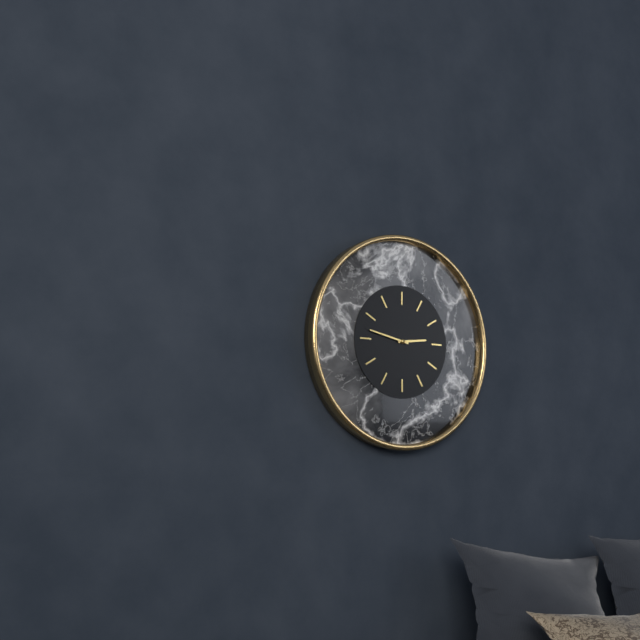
2:47
